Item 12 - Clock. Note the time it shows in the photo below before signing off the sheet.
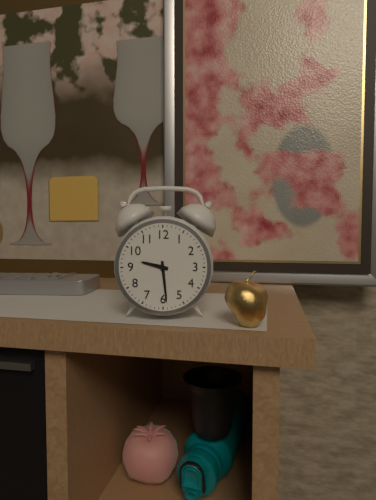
9:29
